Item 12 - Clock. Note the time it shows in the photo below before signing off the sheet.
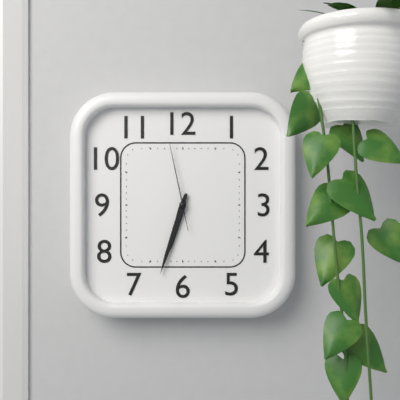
6:33:58
